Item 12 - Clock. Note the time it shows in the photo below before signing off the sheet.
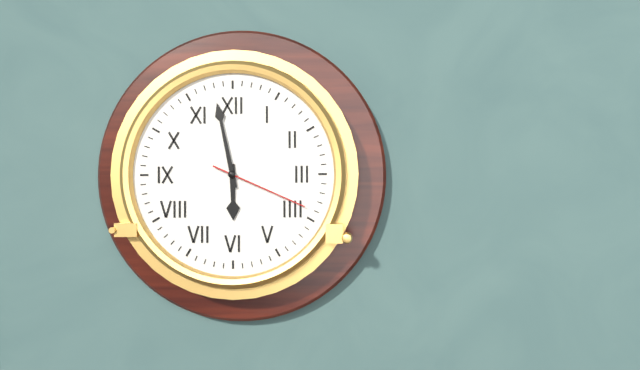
5:58:19
